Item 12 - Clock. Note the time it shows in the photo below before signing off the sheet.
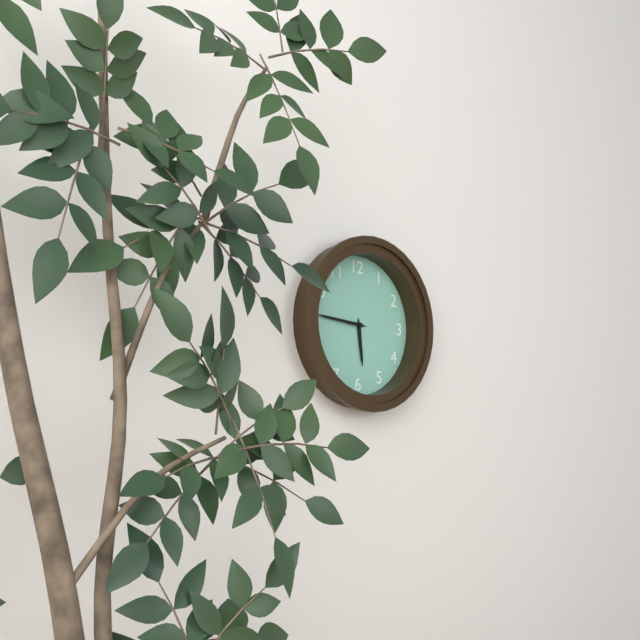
5:46
